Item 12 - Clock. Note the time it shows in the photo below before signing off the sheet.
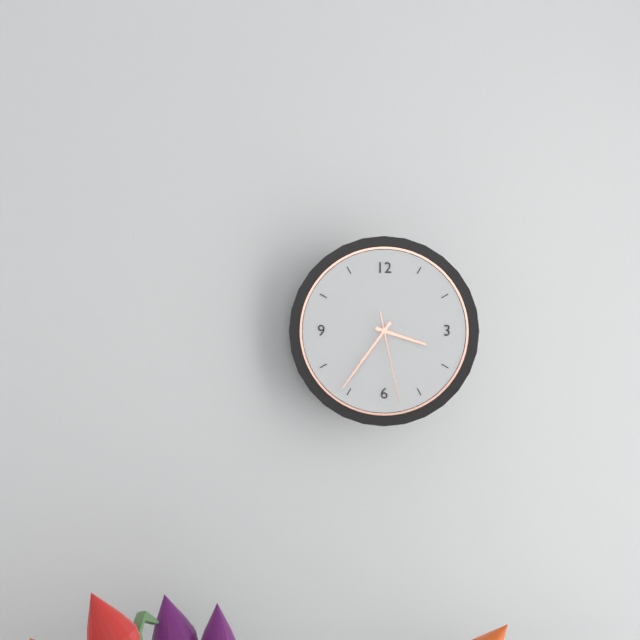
3:36:28
